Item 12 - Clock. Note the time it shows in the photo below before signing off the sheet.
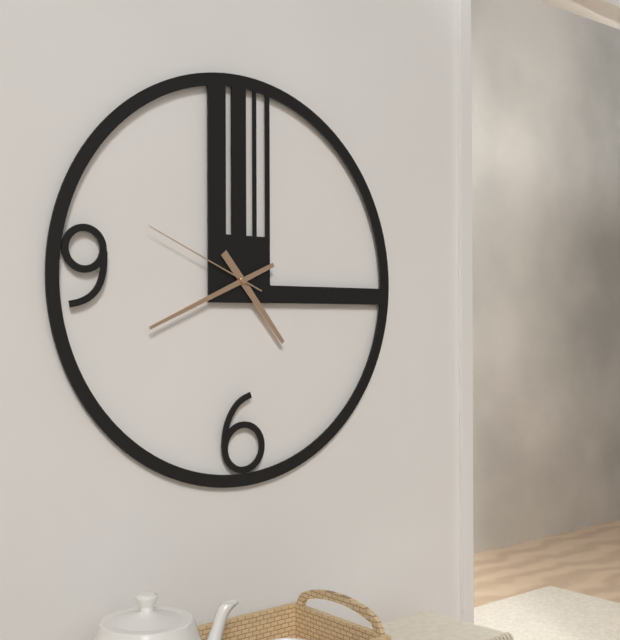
4:41:49
